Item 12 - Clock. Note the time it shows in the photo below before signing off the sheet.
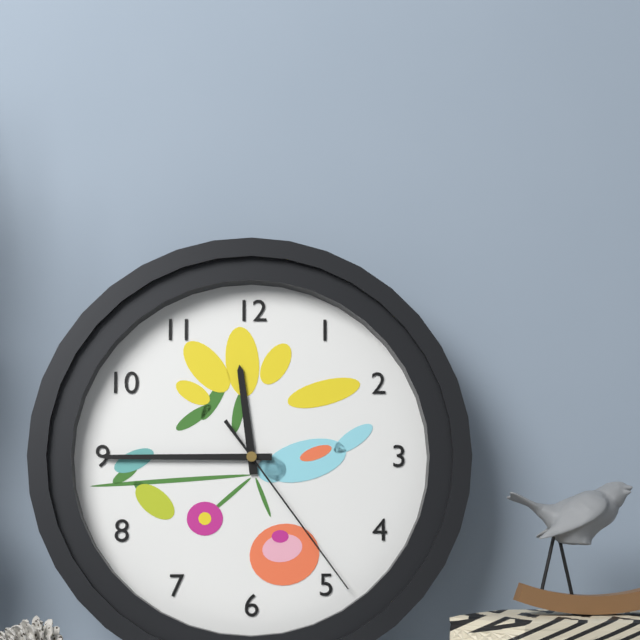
11:45:24
